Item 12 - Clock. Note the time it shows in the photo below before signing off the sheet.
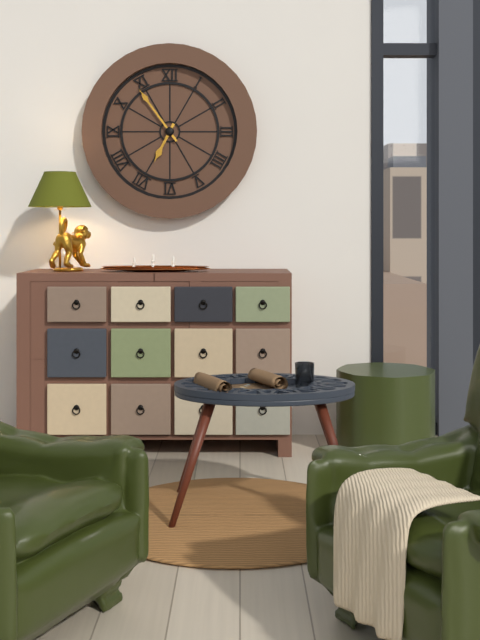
6:54
